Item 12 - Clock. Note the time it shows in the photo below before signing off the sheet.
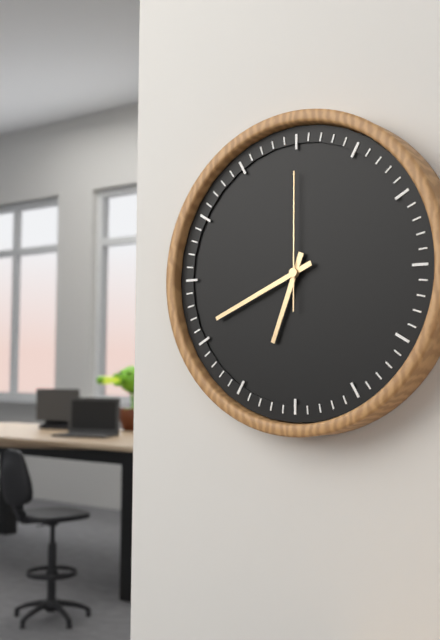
6:41:00
